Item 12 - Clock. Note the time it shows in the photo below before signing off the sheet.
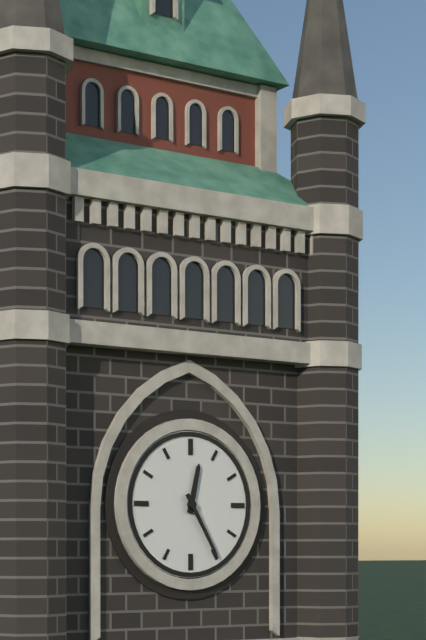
12:25
